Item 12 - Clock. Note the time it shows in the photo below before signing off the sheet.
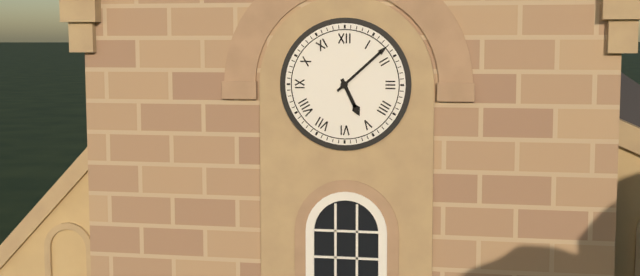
5:08
